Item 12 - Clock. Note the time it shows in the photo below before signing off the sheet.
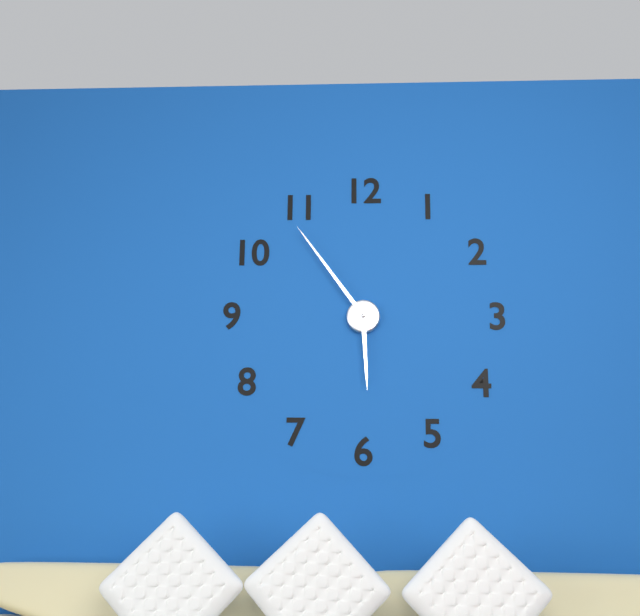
5:54
